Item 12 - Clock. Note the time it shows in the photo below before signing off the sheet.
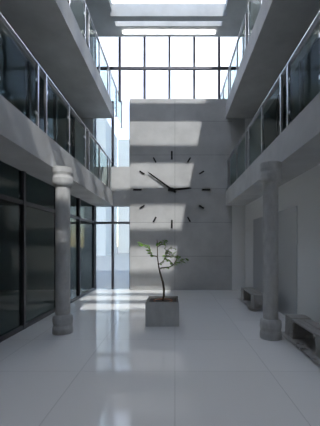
2:51
